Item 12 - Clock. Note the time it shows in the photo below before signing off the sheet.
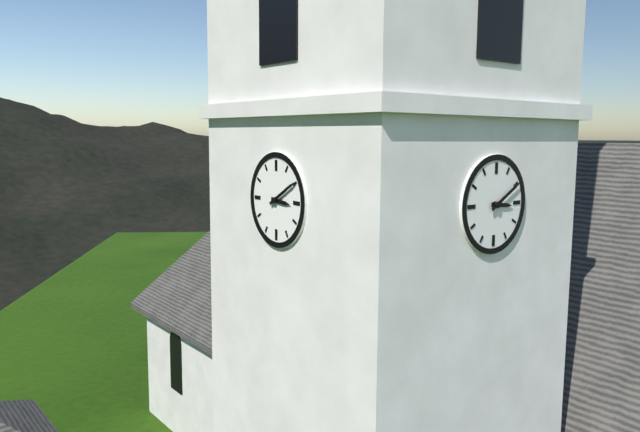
3:10
